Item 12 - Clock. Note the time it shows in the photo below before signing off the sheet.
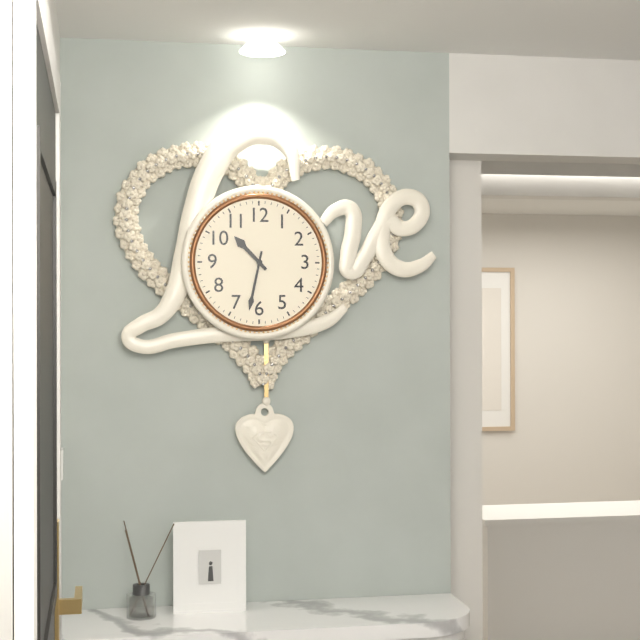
10:32
